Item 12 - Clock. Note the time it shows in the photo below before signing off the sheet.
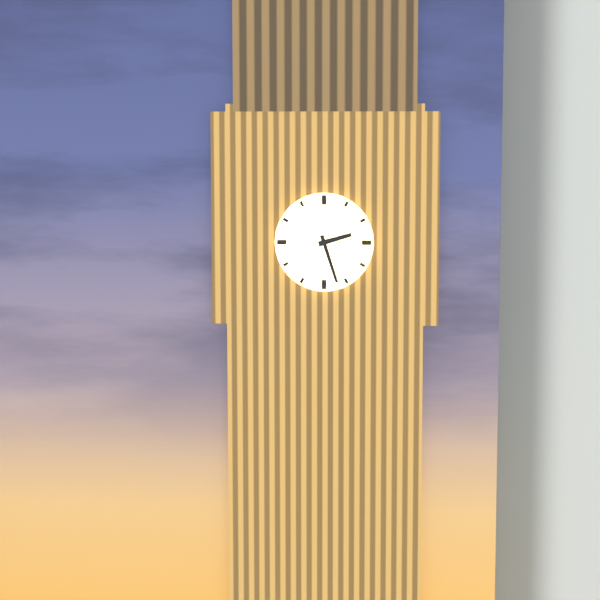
2:27
